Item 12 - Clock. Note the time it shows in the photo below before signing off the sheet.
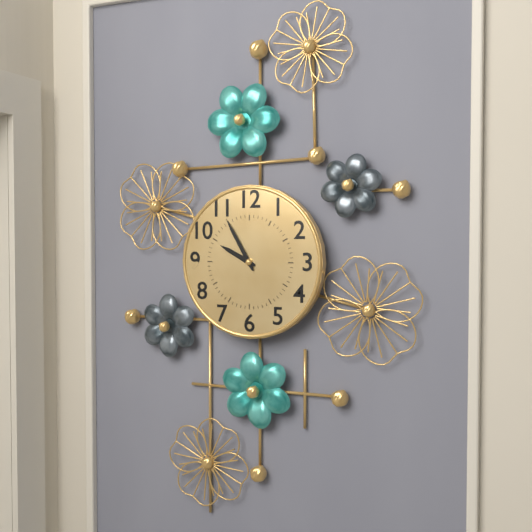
9:55
